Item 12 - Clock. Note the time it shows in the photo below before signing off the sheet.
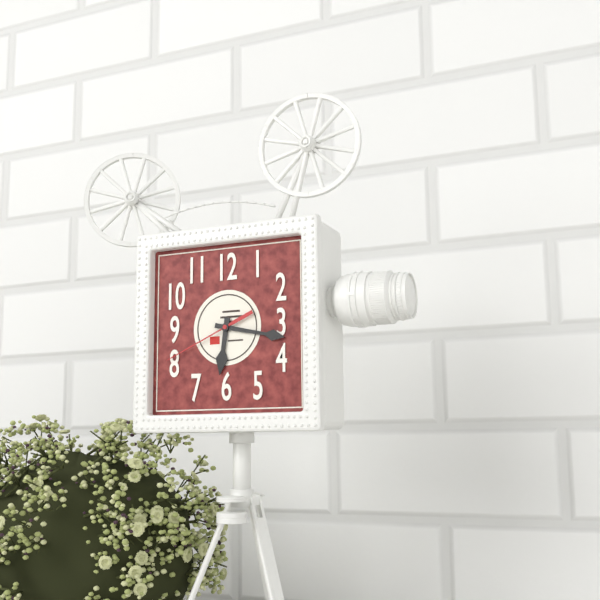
6:17:41
